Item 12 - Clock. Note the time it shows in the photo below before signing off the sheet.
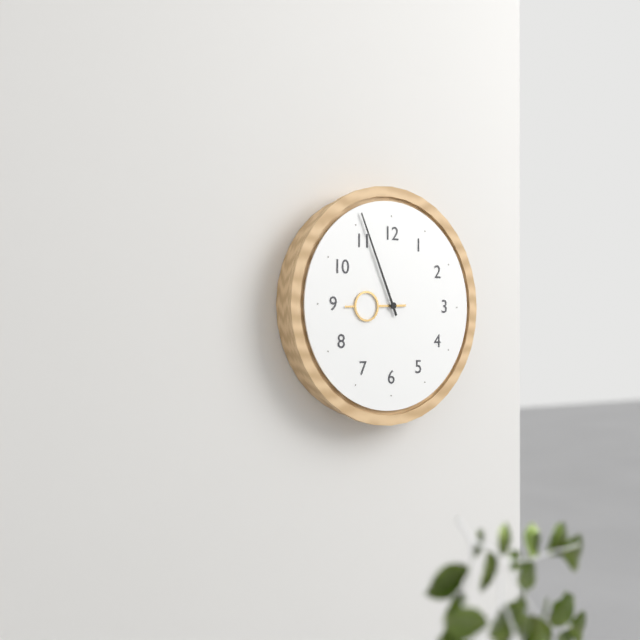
8:56
